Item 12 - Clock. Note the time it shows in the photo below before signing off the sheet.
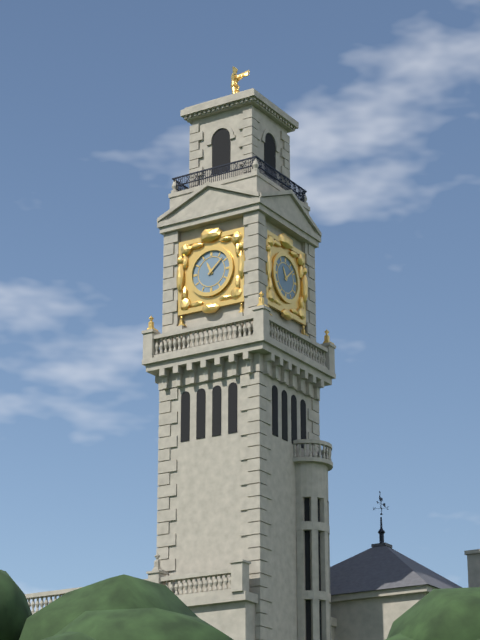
11:08
